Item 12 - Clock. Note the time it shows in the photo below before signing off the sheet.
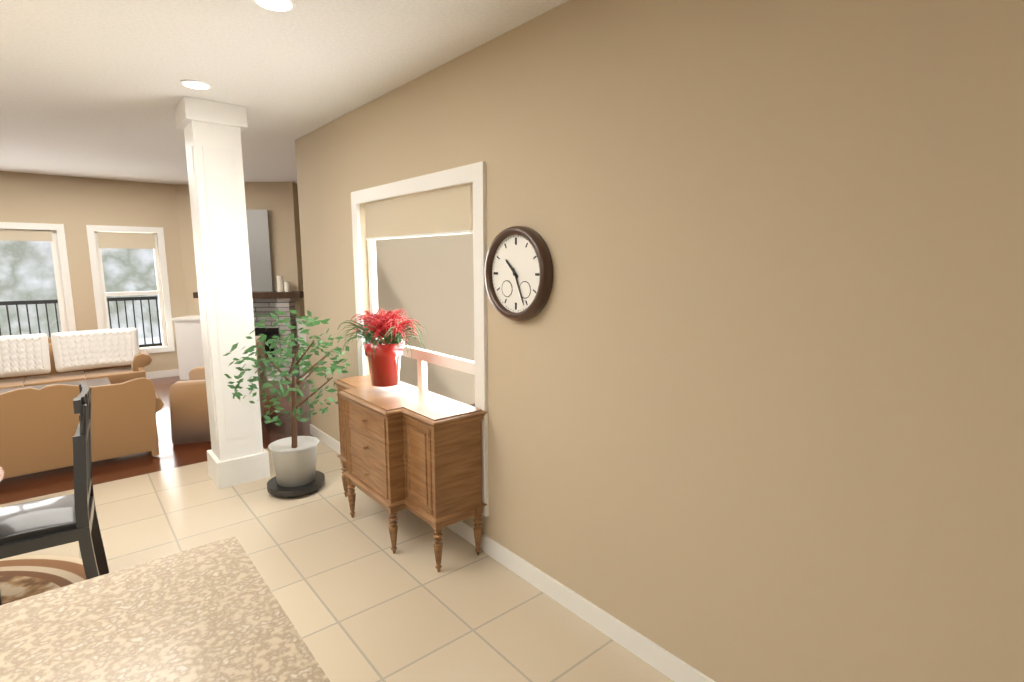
10:26
